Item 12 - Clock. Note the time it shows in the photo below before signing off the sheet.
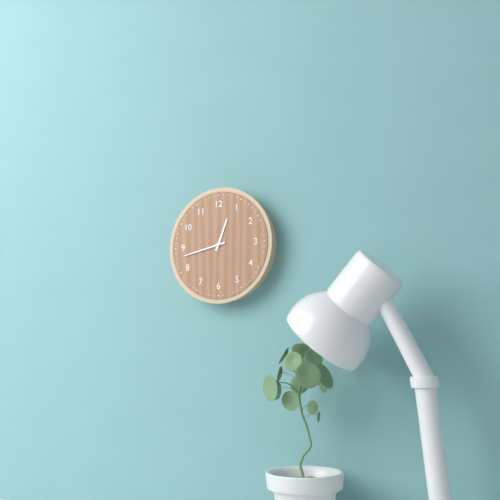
12:43
